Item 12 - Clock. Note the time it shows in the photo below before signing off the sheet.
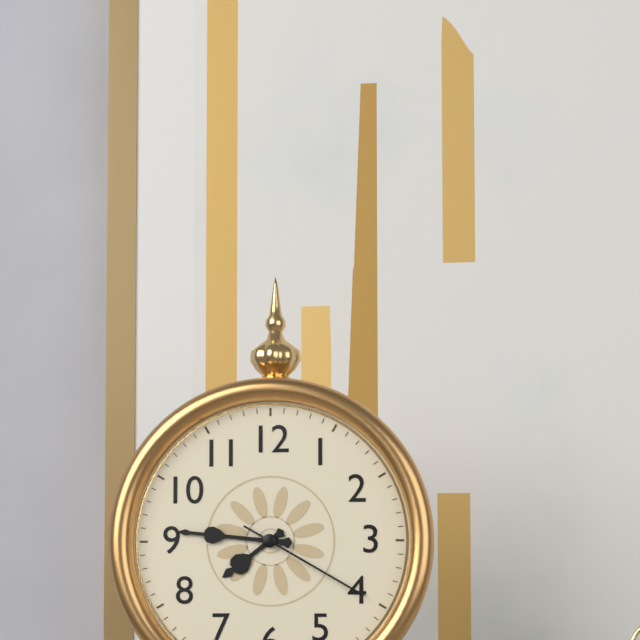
7:46:20
